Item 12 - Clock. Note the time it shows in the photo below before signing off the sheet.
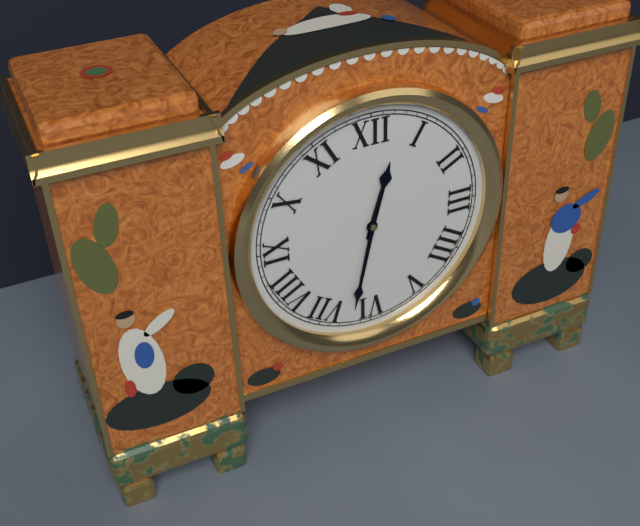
12:32
